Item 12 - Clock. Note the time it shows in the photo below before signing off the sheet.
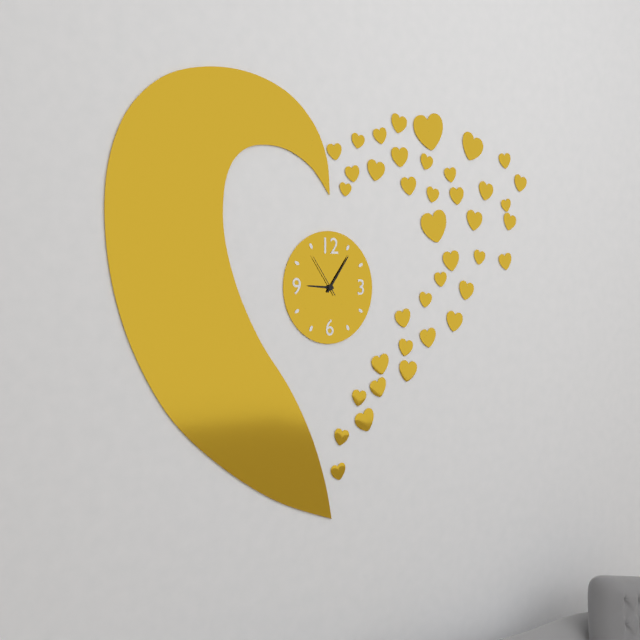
9:06
